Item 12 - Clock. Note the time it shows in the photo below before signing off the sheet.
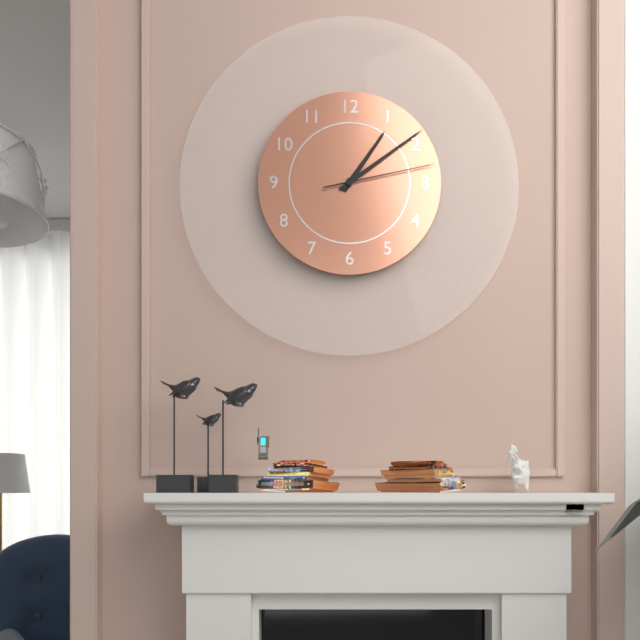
1:09:13
